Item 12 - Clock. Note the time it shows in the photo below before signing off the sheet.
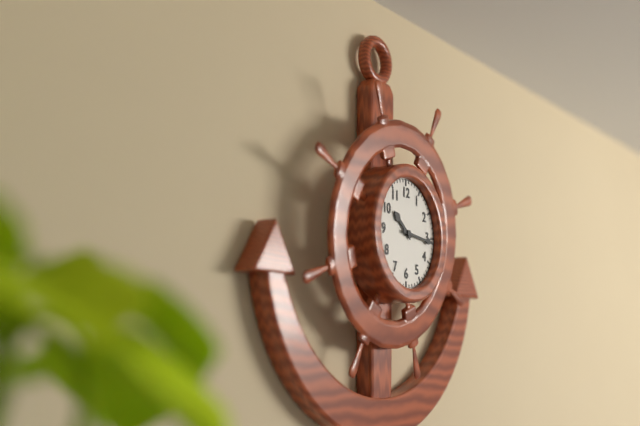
10:16
